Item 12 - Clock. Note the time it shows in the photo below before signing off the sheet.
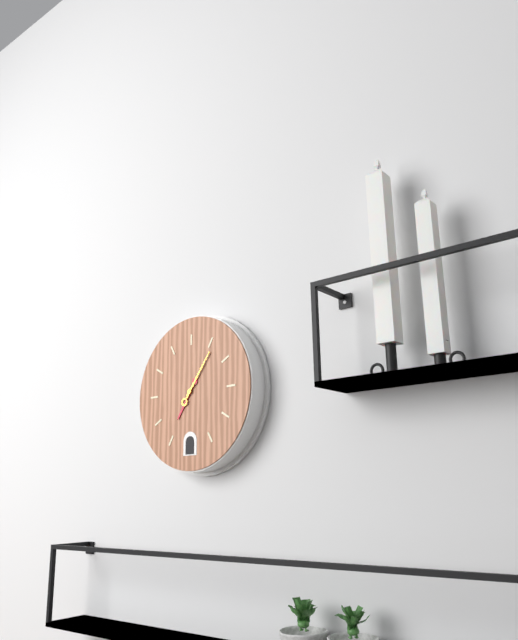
7:06
